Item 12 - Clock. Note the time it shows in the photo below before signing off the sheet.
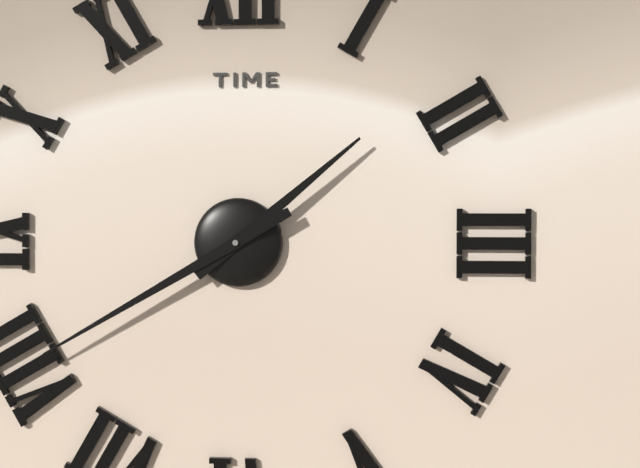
1:40
